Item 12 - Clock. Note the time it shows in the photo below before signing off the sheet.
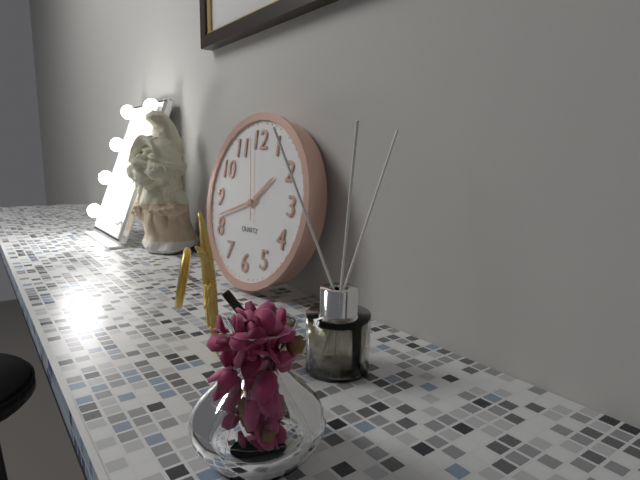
1:42:58
